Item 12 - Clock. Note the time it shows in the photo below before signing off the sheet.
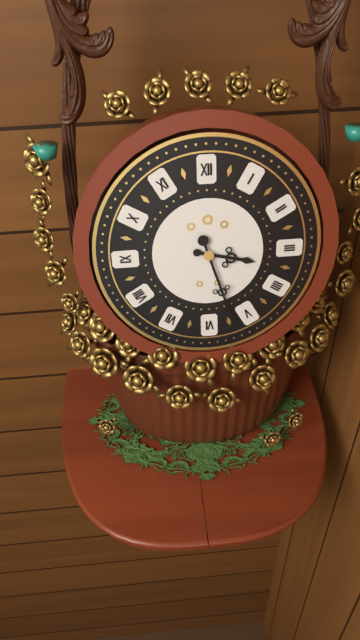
3:27
